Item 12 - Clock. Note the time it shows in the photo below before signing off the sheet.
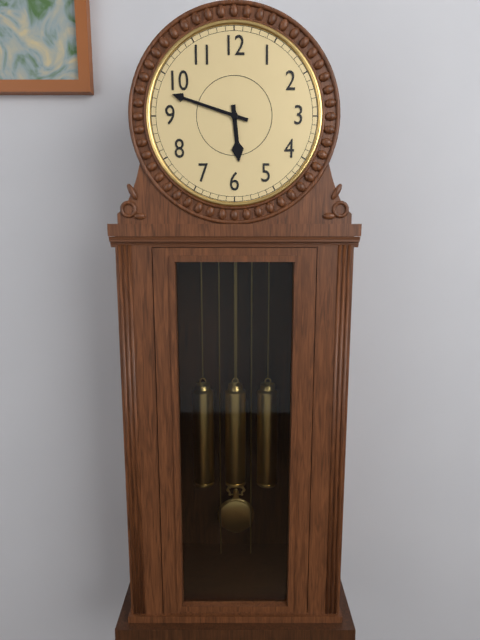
5:48
